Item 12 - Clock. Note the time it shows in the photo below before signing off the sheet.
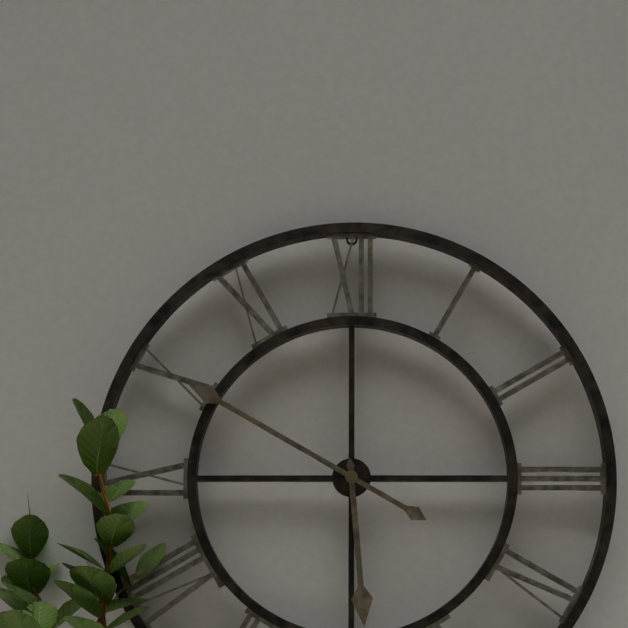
5:50
